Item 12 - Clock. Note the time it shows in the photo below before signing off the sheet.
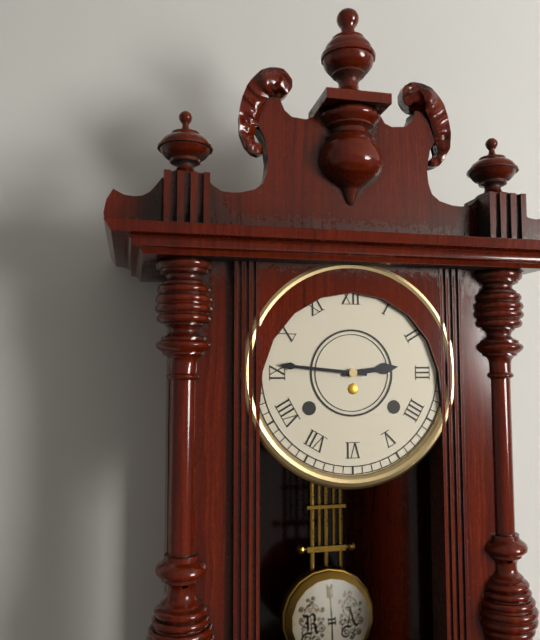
2:46
